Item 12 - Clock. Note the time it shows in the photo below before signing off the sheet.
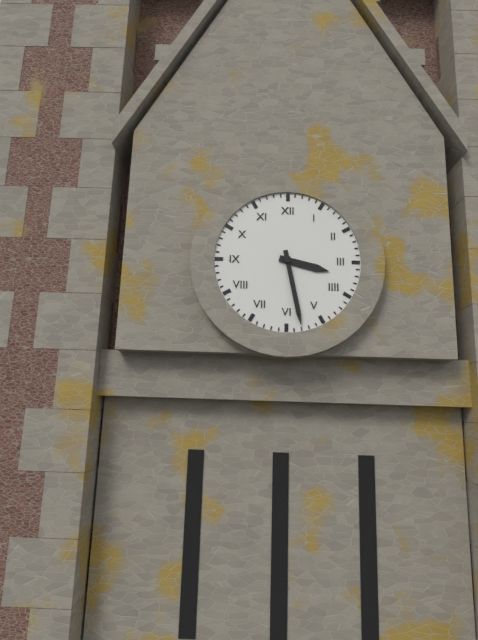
3:28
